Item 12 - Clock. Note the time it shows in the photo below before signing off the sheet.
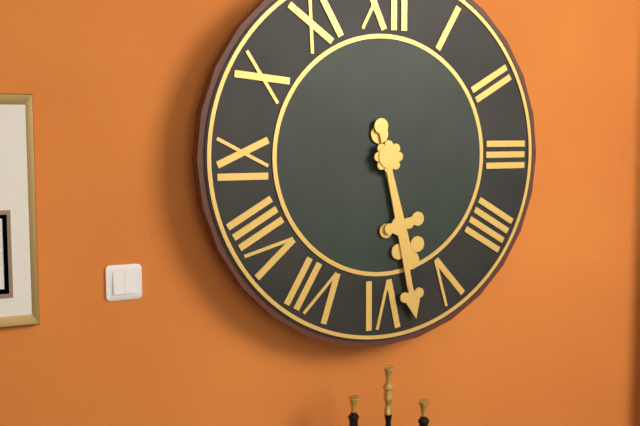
5:28
